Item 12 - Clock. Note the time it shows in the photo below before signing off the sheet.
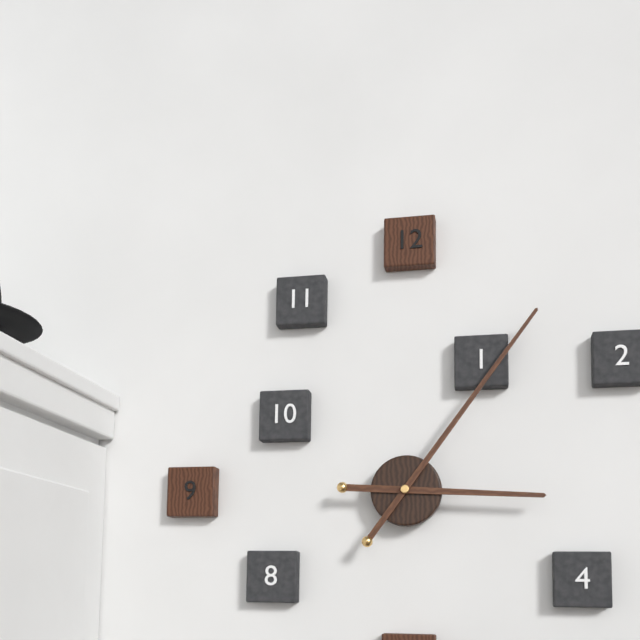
3:06
